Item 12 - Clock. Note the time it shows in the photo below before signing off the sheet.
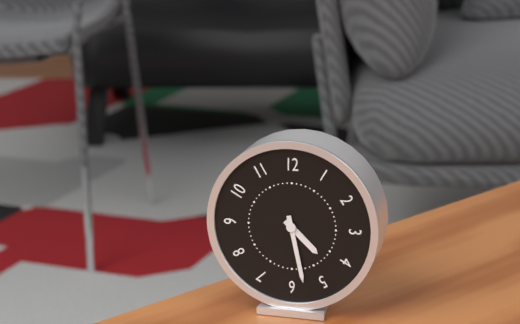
4:28
